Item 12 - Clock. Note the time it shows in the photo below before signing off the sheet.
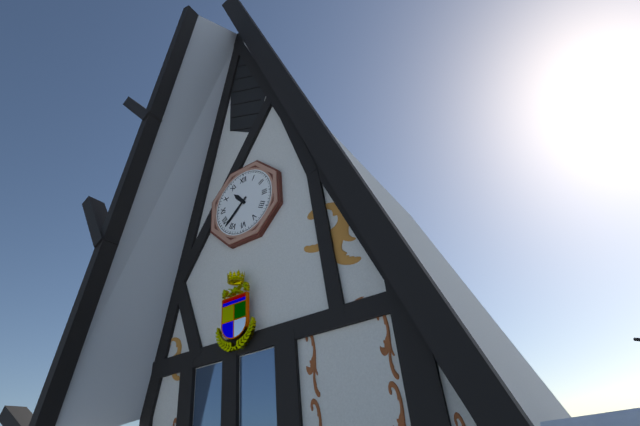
10:38
